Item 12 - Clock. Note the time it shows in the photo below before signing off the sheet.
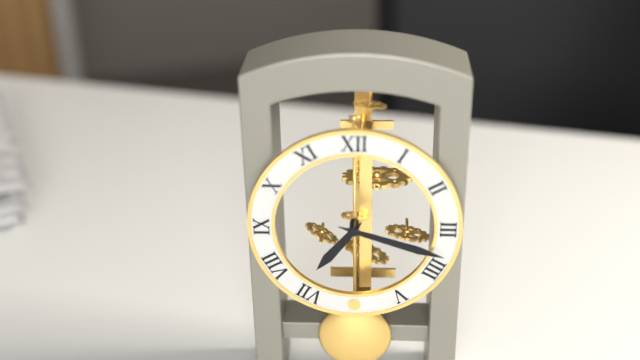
7:18
